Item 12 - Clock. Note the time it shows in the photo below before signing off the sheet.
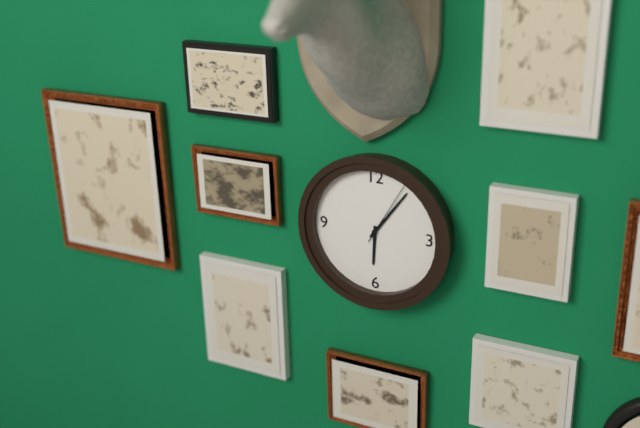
6:06:05
